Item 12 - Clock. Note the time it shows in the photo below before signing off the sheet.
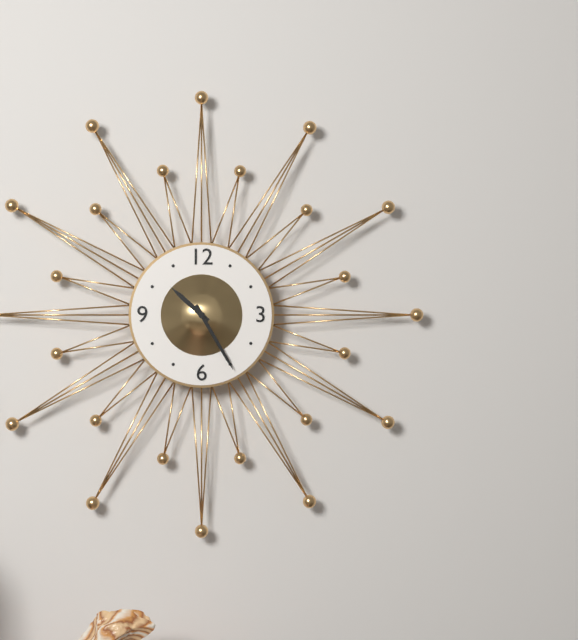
10:25
